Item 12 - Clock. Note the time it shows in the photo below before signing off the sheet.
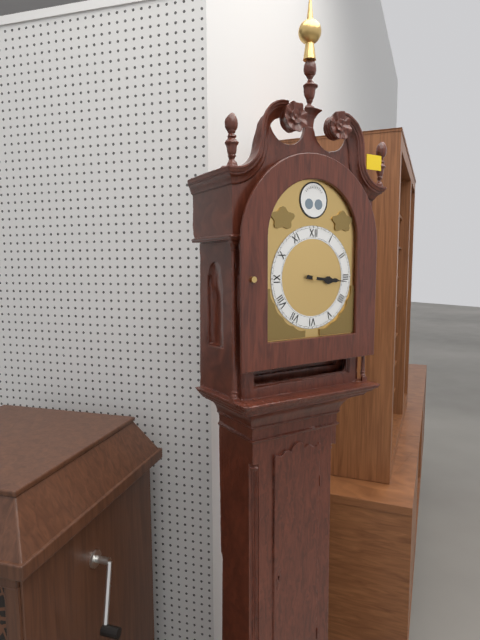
3:16
